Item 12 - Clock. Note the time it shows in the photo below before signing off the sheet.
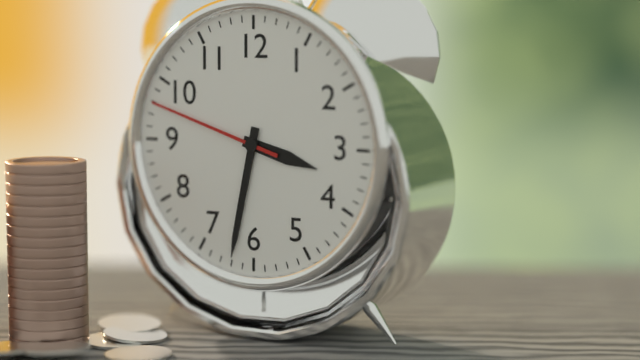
3:32:48
